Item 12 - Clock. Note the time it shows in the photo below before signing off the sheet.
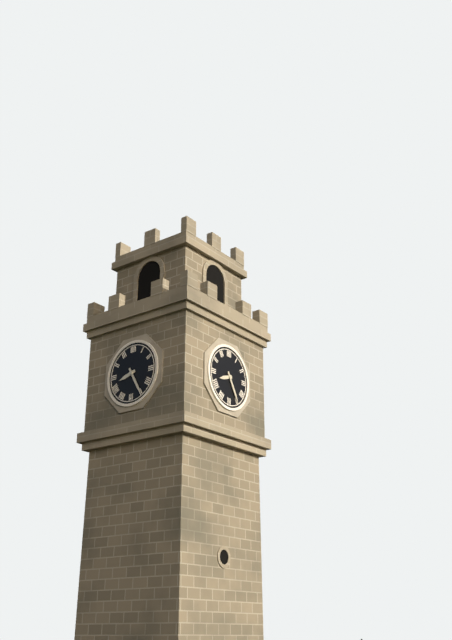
8:25
